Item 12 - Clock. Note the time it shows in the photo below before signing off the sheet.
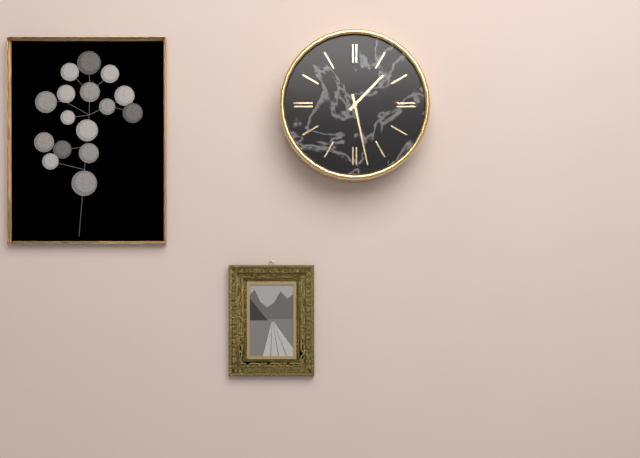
1:28
